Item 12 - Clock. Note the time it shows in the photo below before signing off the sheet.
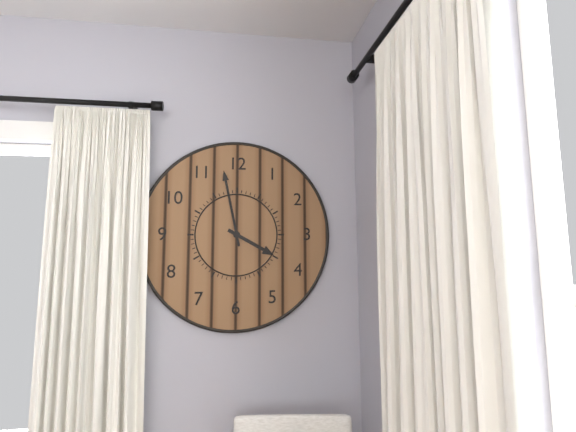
3:58
